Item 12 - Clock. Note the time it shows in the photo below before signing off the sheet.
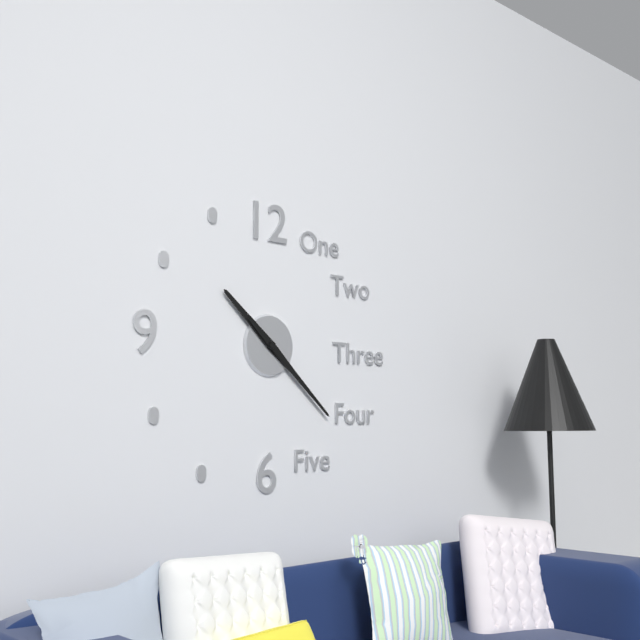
10:22
